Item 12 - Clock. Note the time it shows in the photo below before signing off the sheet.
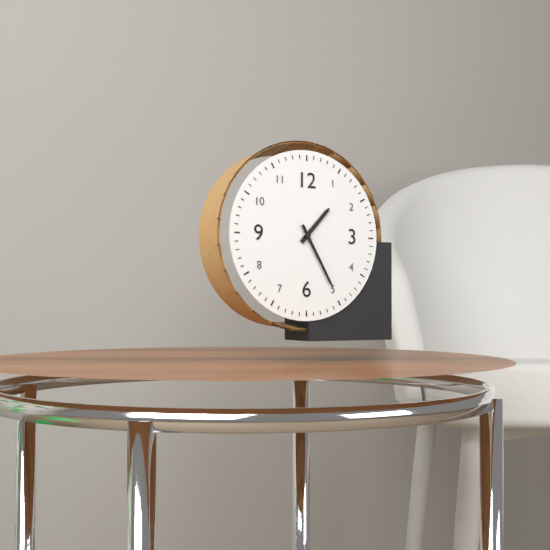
1:25
